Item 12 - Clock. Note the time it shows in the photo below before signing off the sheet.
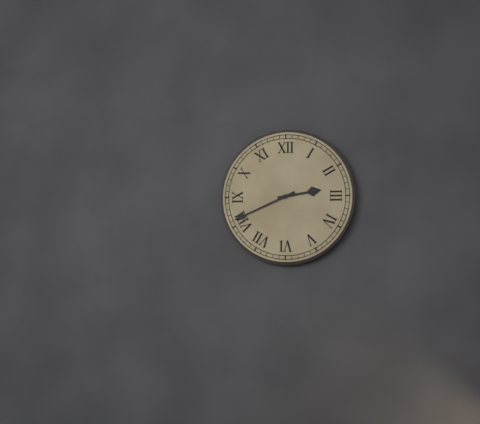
2:41
